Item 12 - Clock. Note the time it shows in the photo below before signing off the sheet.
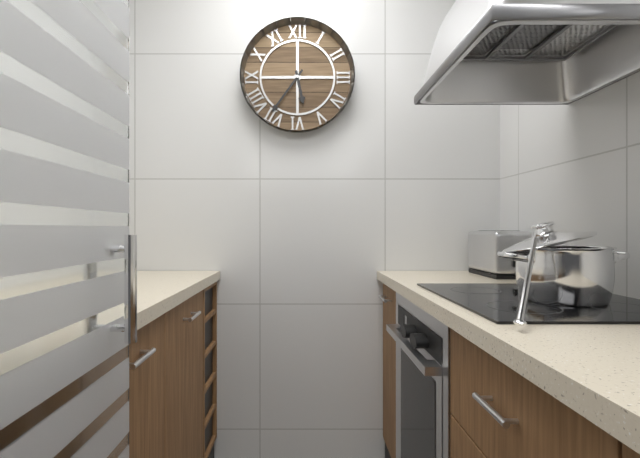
5:36
